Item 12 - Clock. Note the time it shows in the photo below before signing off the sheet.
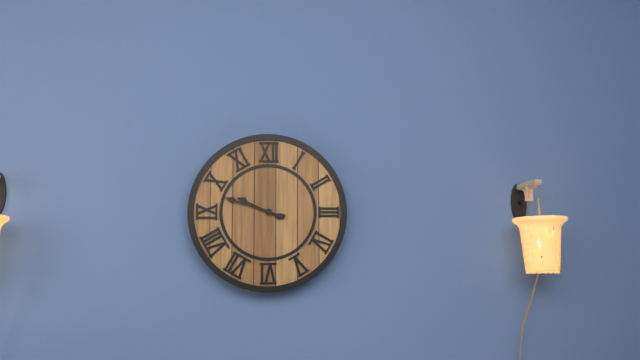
9:48
